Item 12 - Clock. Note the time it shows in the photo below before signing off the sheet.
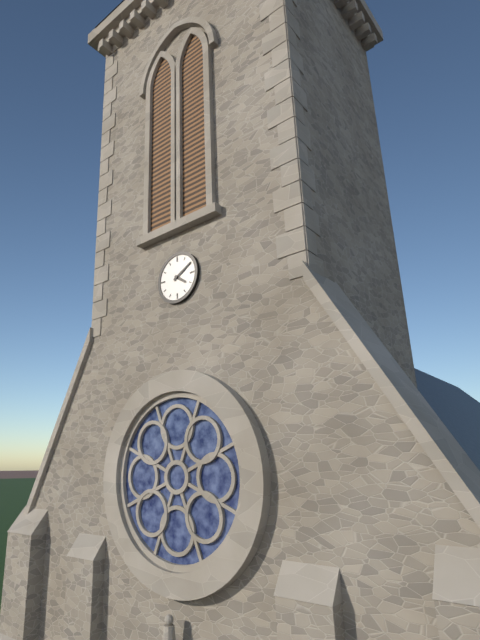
4:10
